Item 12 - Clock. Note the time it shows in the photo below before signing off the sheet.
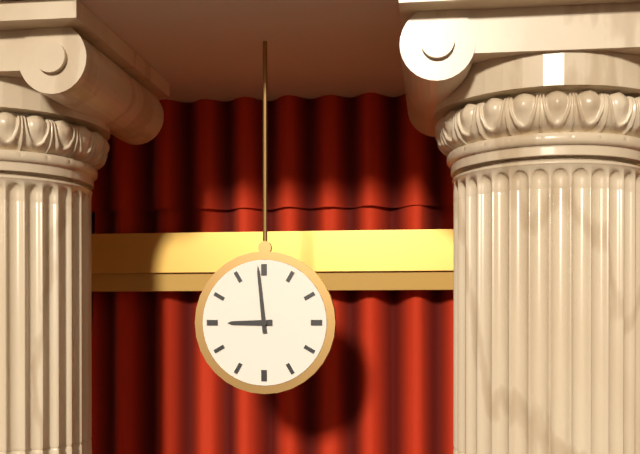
8:59
